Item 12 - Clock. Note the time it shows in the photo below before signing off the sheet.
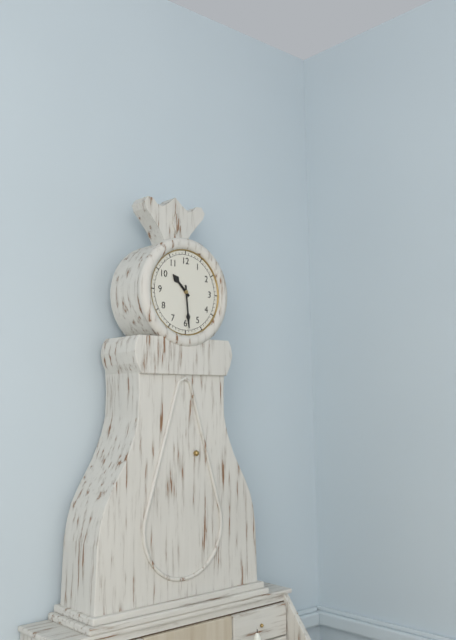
10:29
